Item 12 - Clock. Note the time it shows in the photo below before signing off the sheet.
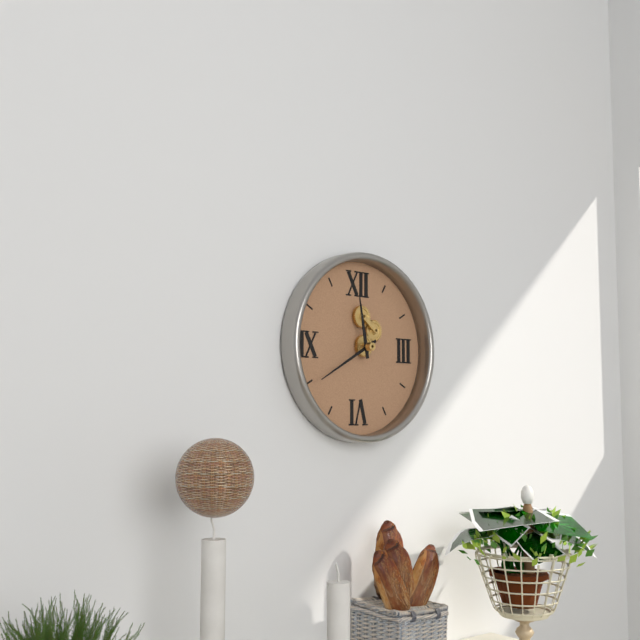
11:40
